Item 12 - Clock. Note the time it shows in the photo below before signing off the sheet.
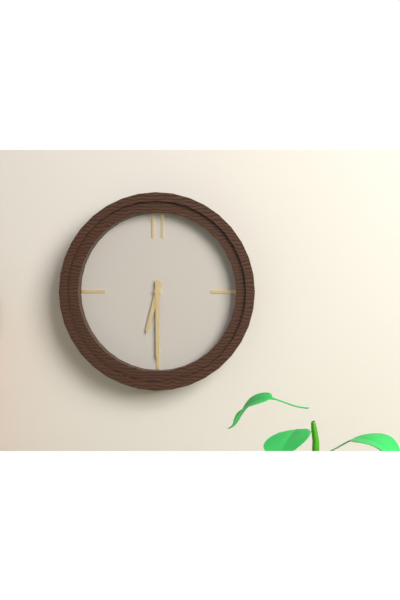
6:30
